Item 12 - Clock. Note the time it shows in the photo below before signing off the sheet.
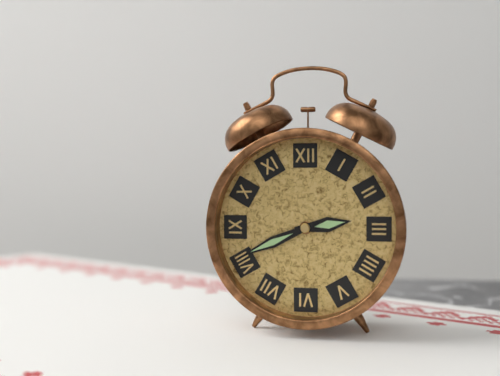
2:41
